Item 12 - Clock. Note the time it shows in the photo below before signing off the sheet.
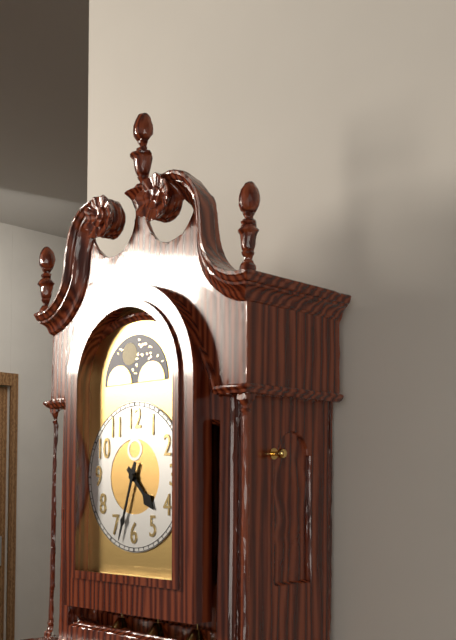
4:33
